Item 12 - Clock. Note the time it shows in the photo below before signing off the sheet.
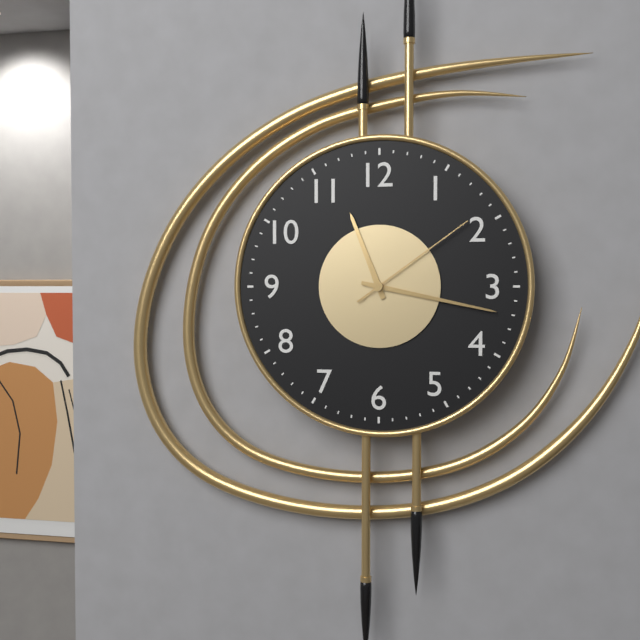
11:17:09
